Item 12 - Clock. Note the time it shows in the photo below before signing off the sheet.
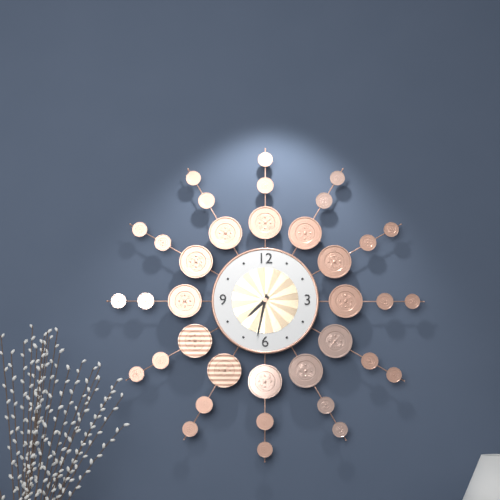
7:32
